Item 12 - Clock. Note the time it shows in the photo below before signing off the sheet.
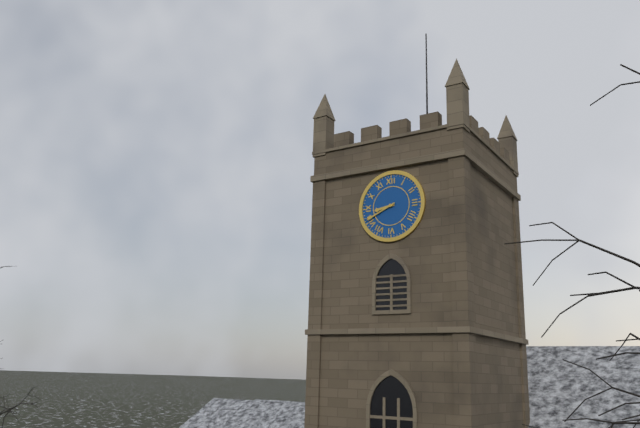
8:41
